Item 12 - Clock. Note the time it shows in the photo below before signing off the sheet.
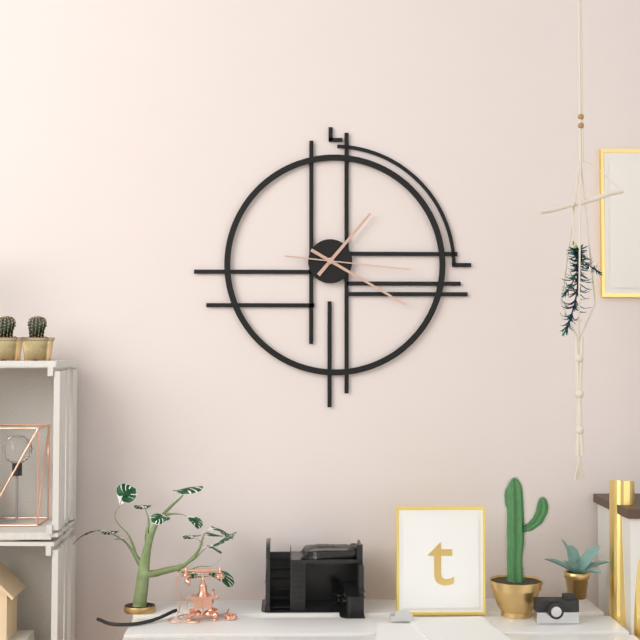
1:20:16
